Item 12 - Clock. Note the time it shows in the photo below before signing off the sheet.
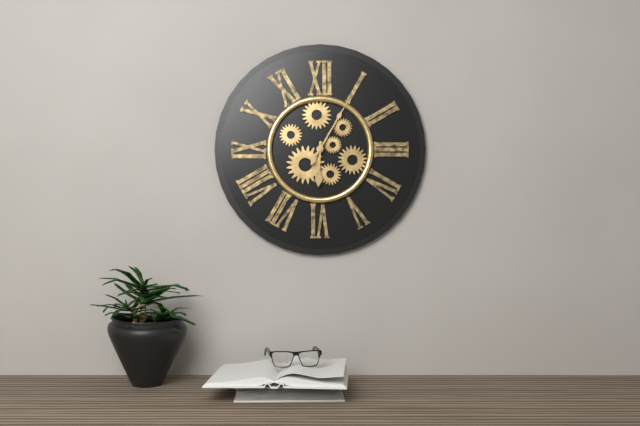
6:05
